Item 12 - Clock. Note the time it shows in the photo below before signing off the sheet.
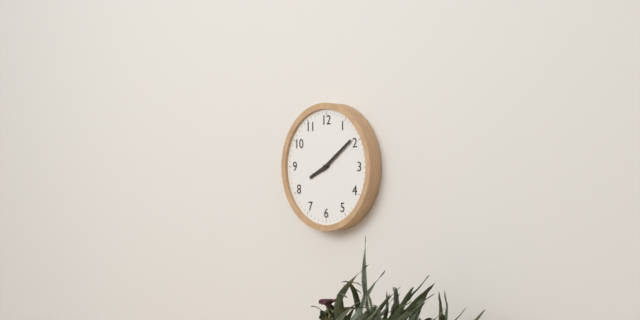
8:09
